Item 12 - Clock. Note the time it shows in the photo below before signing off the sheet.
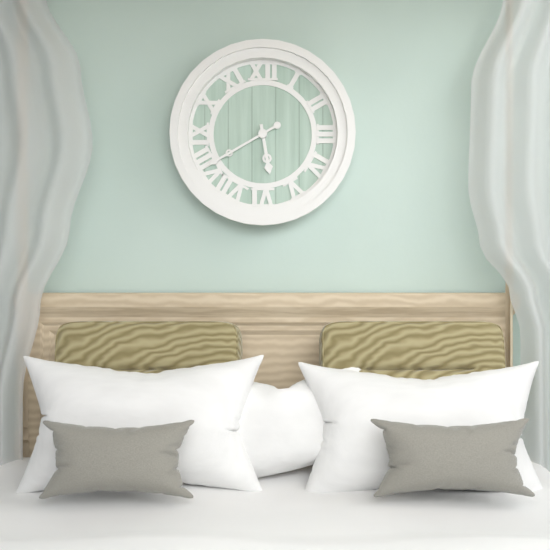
5:40
